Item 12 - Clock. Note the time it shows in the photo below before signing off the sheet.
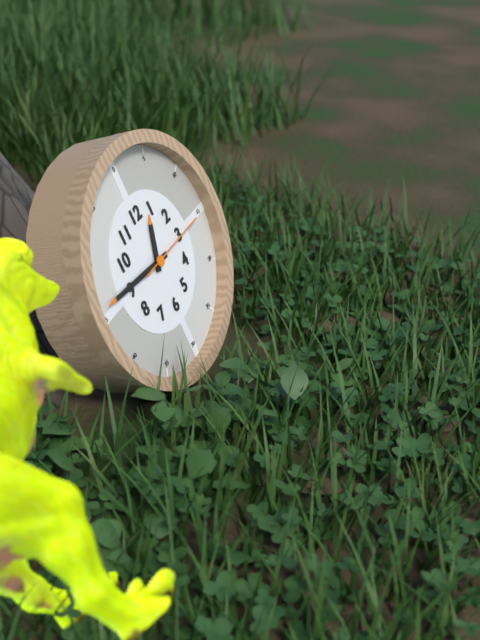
12:46:15
